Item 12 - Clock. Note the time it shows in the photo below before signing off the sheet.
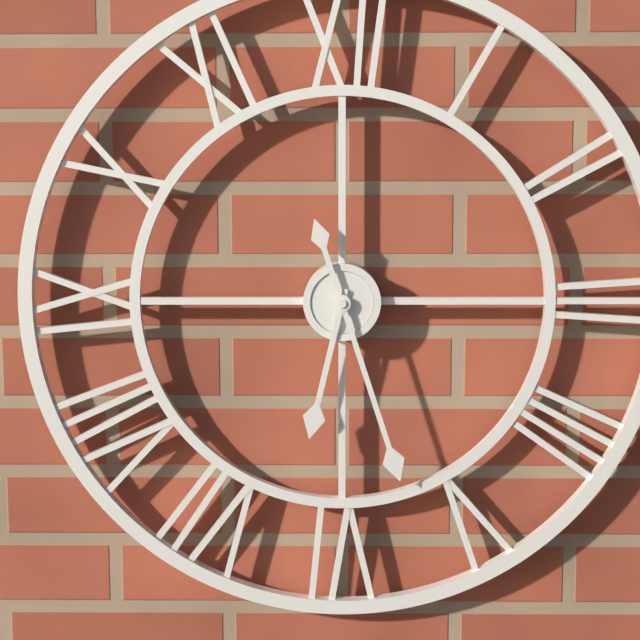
6:27
